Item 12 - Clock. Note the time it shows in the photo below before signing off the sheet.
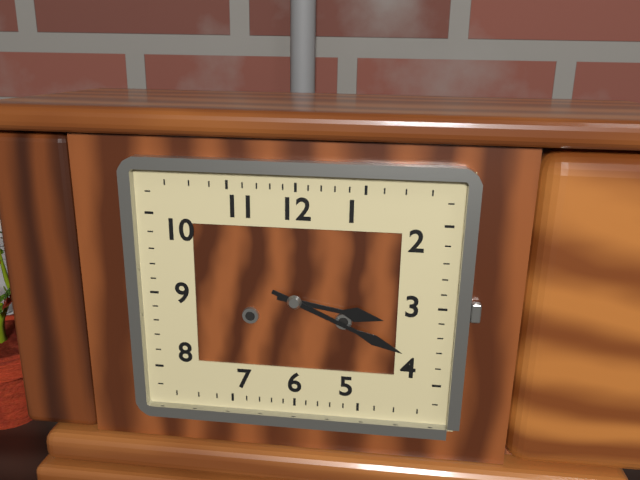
3:19
